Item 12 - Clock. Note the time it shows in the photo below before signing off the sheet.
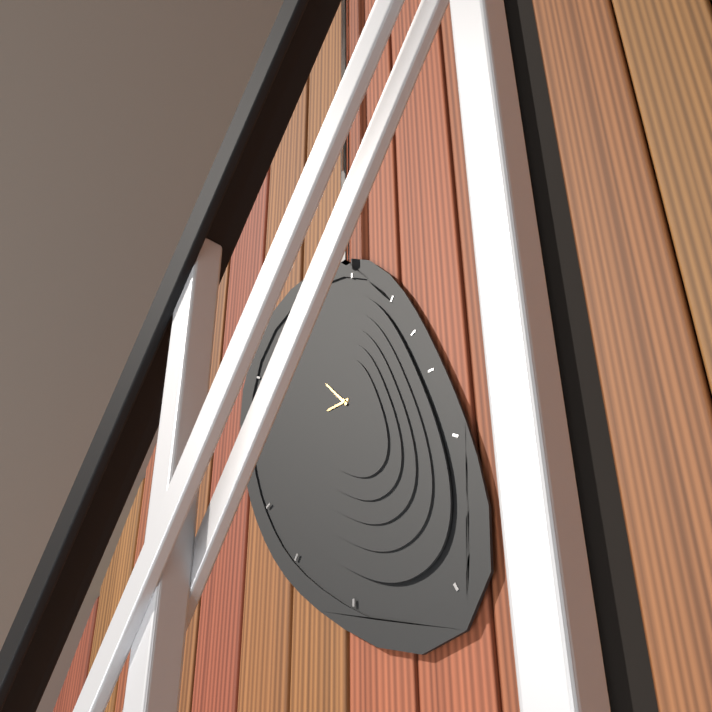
8:53
